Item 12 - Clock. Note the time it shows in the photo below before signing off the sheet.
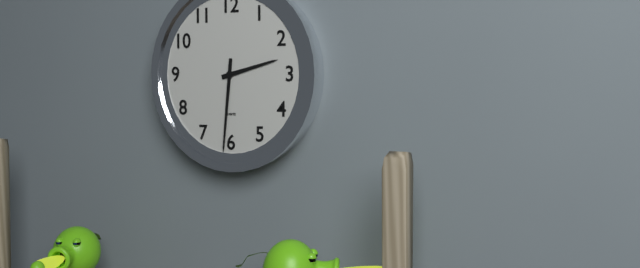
2:31
